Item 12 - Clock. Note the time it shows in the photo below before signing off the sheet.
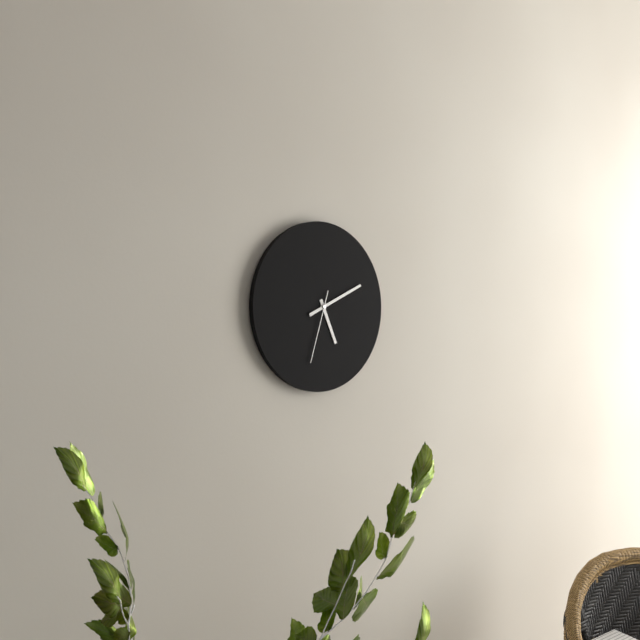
5:11:33
